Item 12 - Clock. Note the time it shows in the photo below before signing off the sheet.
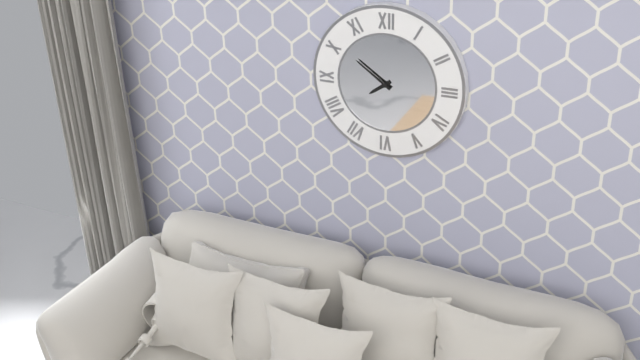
7:51
